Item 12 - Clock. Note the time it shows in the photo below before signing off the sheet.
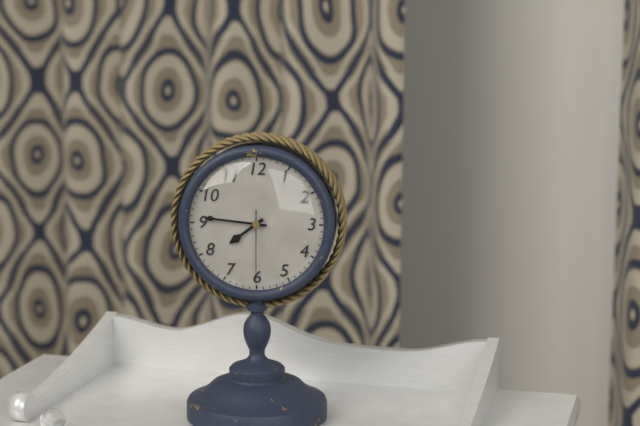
7:46:30
